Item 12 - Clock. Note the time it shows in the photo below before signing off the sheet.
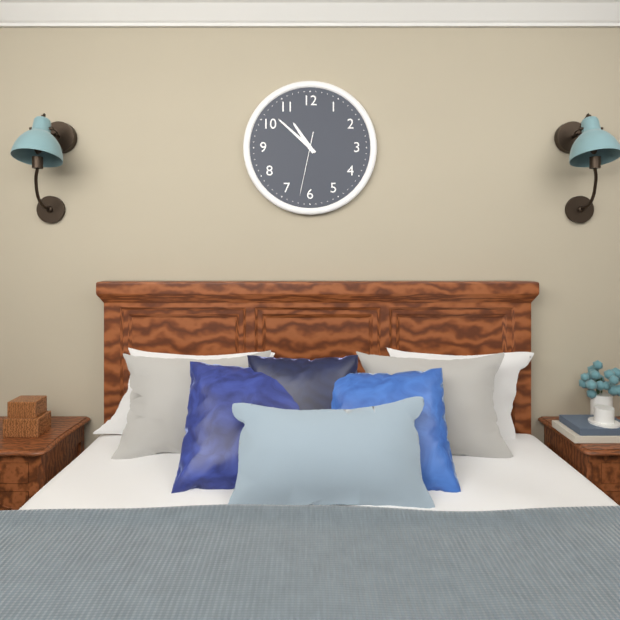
10:52:32
